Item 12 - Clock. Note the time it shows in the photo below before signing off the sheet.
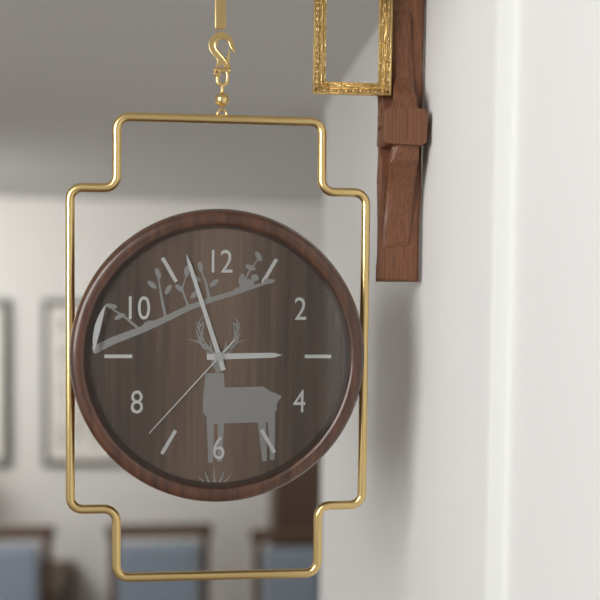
2:57:37
